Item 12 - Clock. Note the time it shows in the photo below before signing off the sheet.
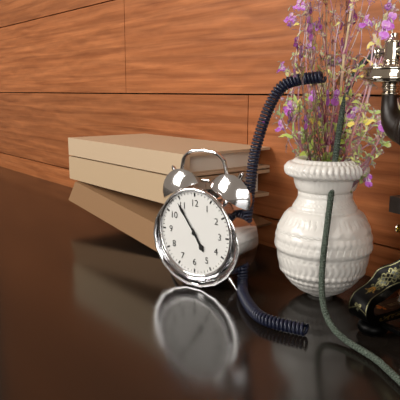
4:54
